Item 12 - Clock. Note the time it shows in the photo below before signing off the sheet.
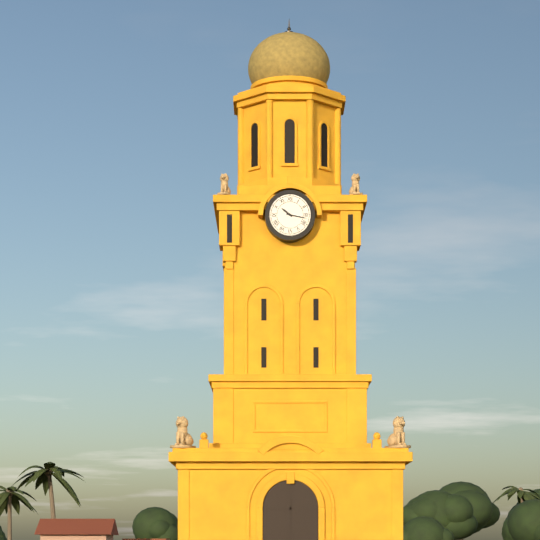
10:17
